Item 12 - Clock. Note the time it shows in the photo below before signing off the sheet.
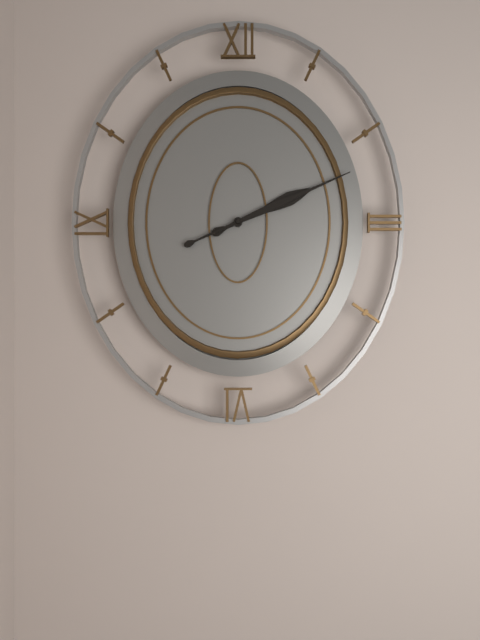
2:11
